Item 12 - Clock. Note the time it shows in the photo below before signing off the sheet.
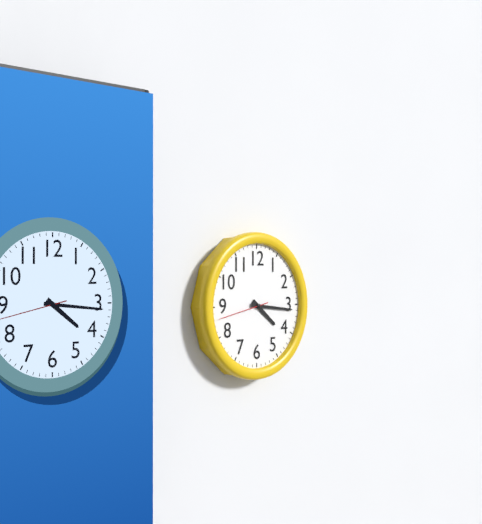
4:16:43
